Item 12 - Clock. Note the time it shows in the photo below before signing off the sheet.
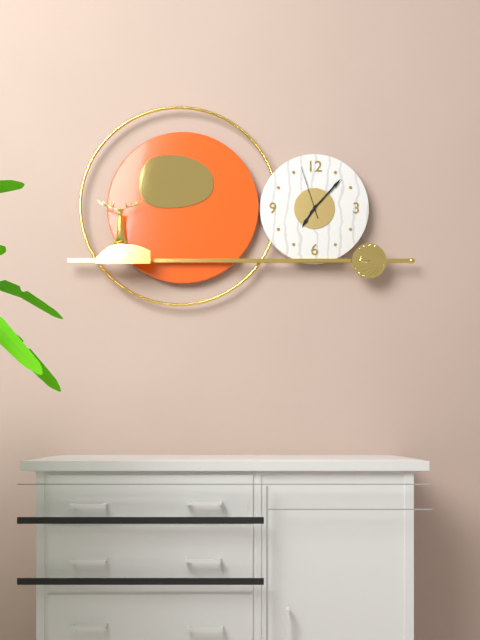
7:07:57
